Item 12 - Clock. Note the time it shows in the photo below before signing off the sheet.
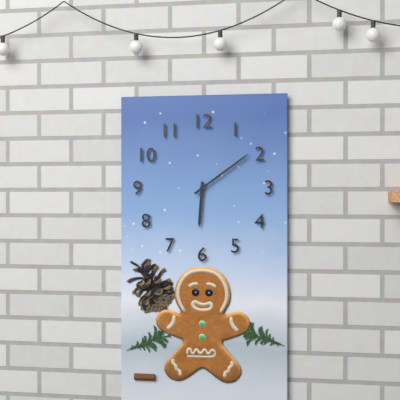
6:09
